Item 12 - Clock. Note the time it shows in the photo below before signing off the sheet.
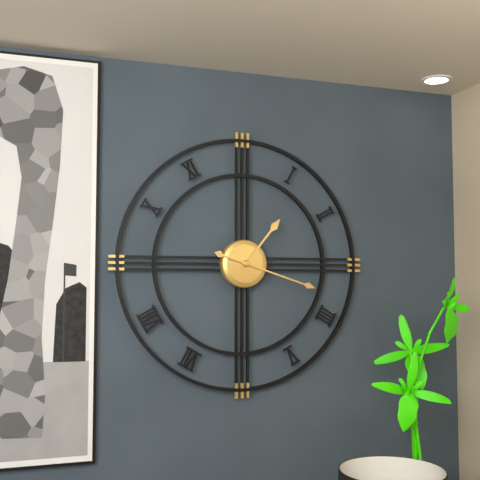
1:18
